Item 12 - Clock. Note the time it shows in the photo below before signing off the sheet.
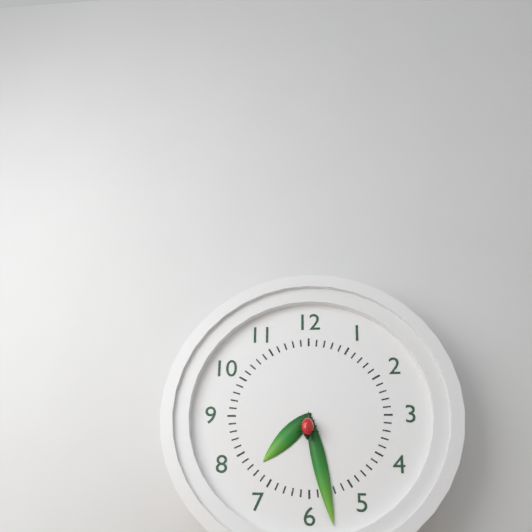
7:28
